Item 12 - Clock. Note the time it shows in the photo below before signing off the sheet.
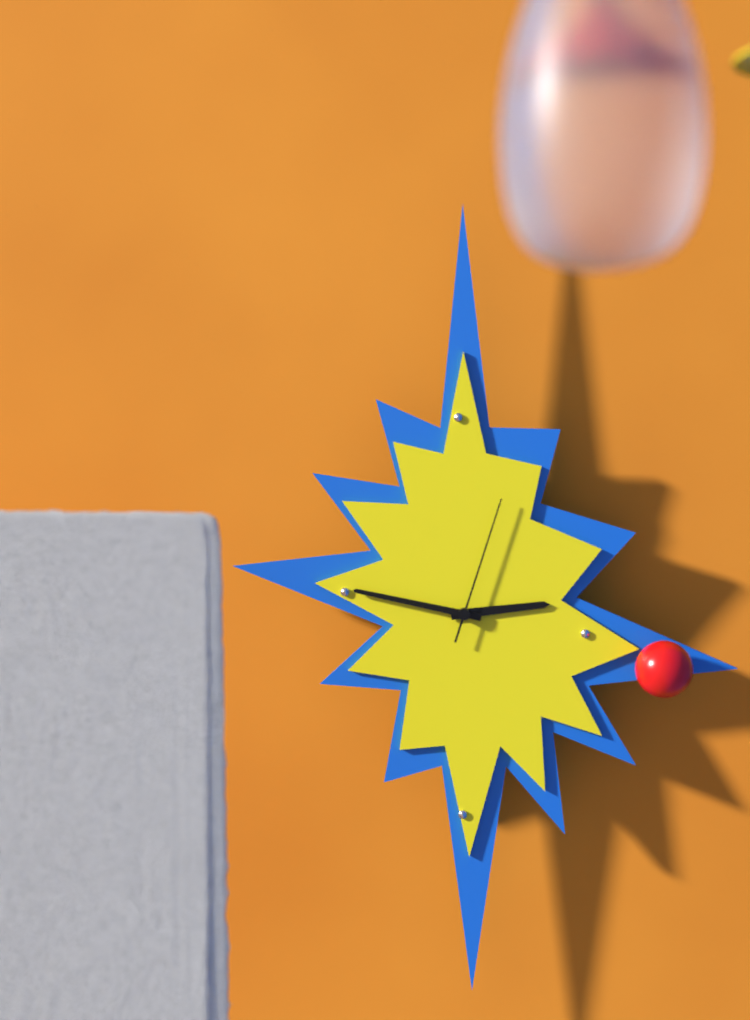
2:47:03
